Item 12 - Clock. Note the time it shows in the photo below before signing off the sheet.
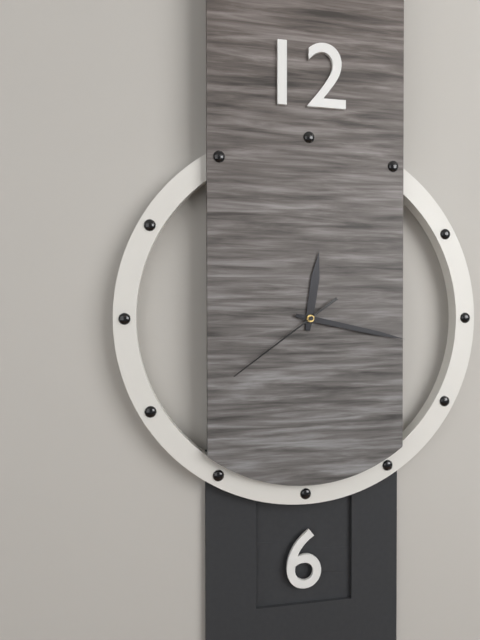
12:17:39
